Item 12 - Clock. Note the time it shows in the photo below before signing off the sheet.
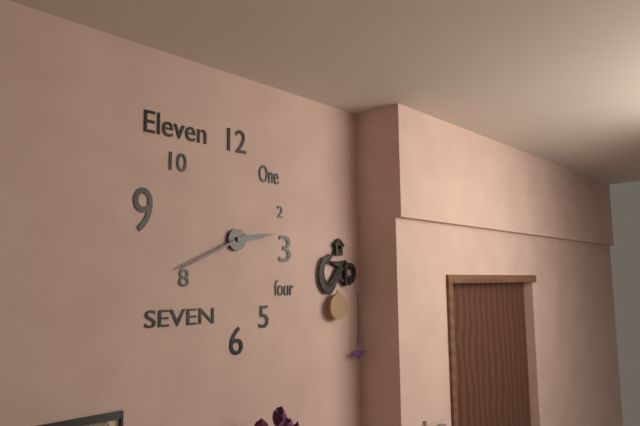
2:41
